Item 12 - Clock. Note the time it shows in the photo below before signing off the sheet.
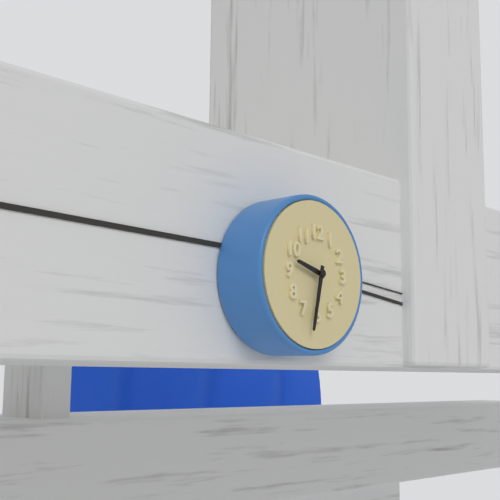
9:32
